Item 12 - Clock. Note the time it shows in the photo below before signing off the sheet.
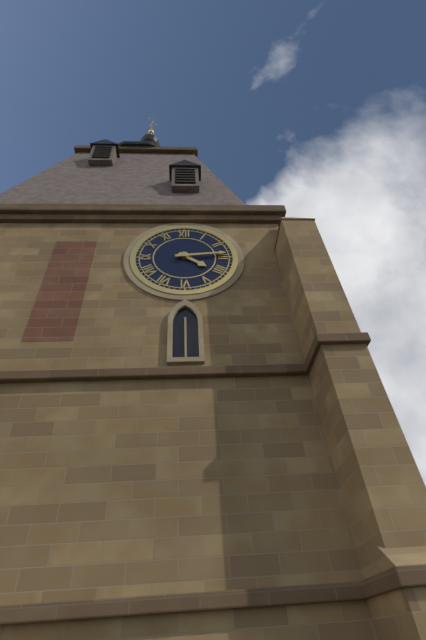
4:14
